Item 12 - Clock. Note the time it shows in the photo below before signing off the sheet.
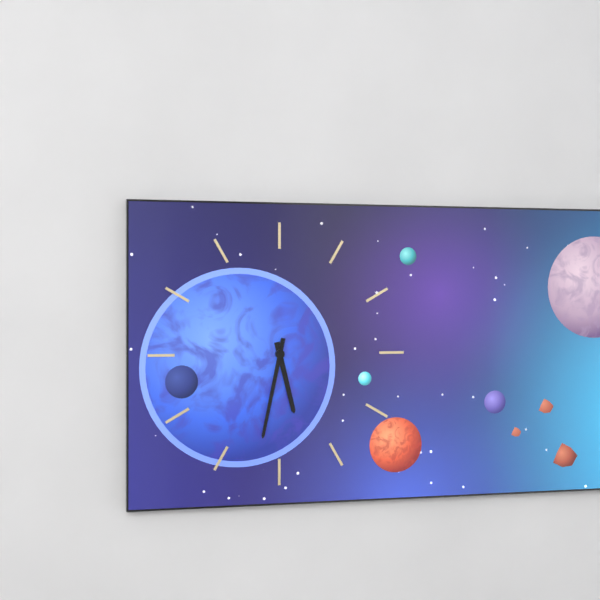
5:32
